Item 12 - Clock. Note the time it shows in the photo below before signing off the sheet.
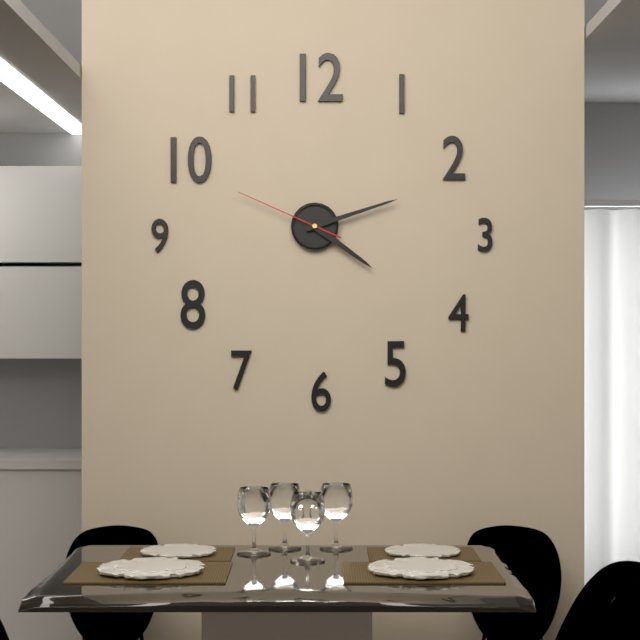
4:12:49
